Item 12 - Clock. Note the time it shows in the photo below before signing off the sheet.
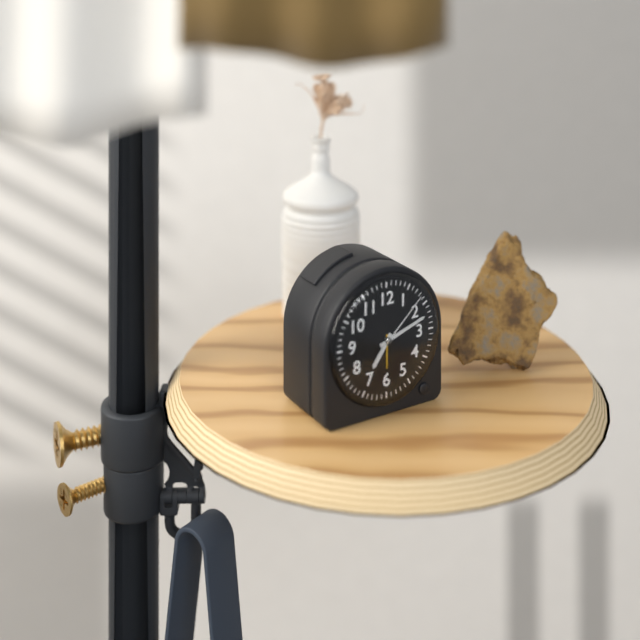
7:12:08
